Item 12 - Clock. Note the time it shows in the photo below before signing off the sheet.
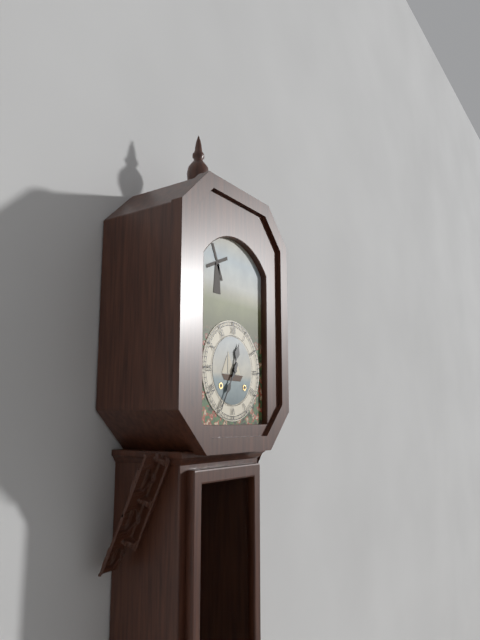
12:35
